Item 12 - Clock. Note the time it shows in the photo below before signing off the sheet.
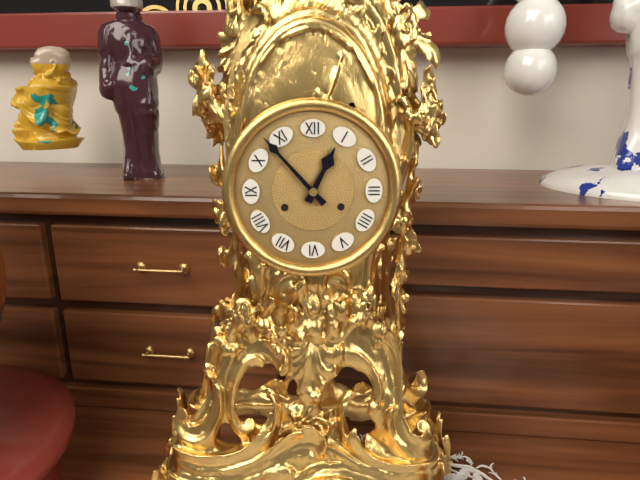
12:53
